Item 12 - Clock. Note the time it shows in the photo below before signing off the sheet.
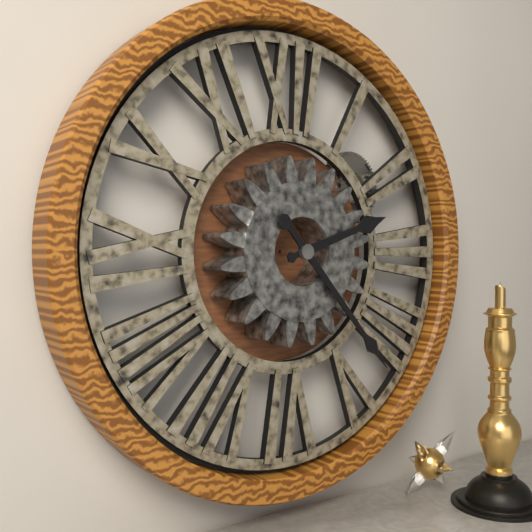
2:23
